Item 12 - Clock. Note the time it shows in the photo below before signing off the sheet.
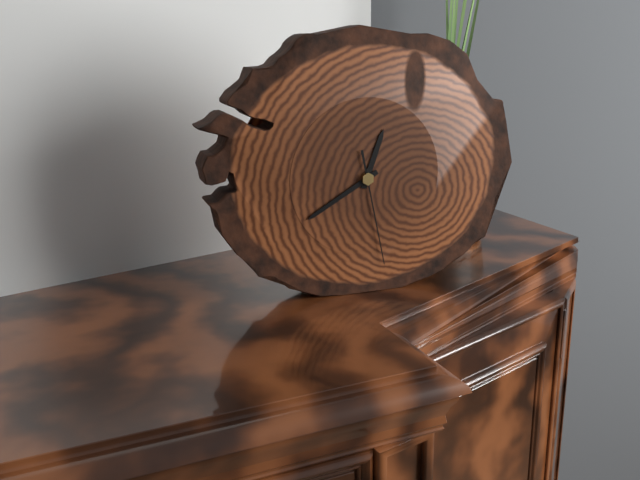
12:40:28
